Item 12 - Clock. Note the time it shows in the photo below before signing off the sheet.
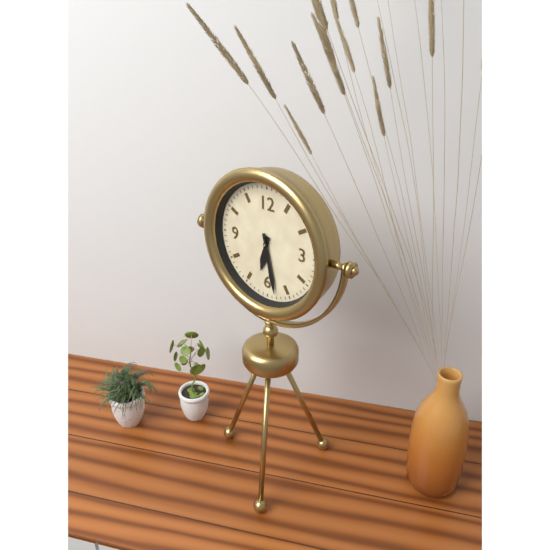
6:28
